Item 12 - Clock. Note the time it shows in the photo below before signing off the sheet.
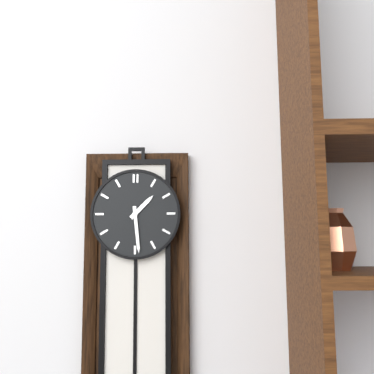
1:29
